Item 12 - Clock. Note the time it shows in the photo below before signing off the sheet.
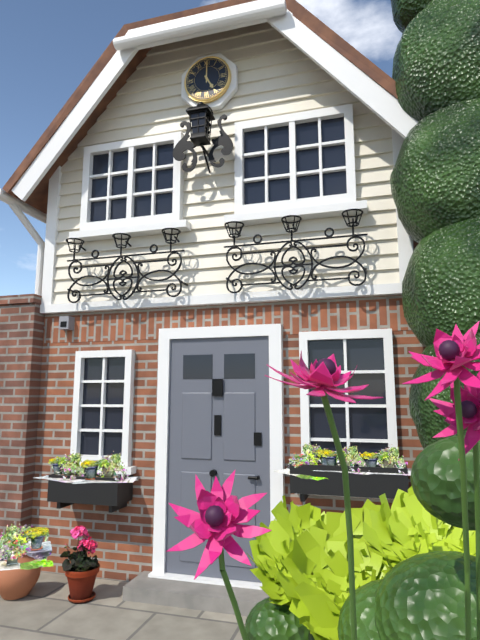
5:00
